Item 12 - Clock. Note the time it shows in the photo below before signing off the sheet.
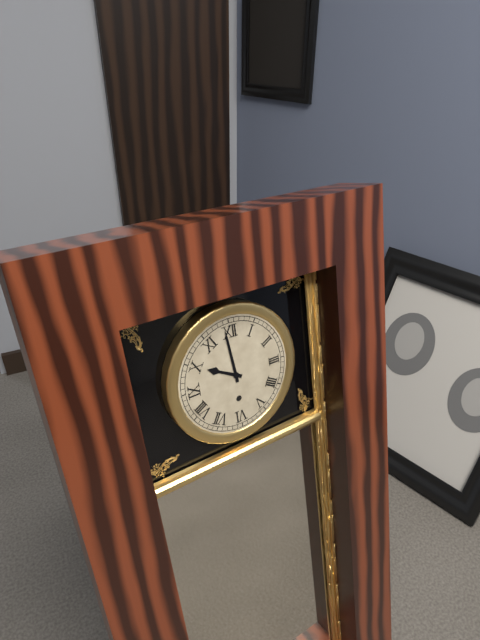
9:59
